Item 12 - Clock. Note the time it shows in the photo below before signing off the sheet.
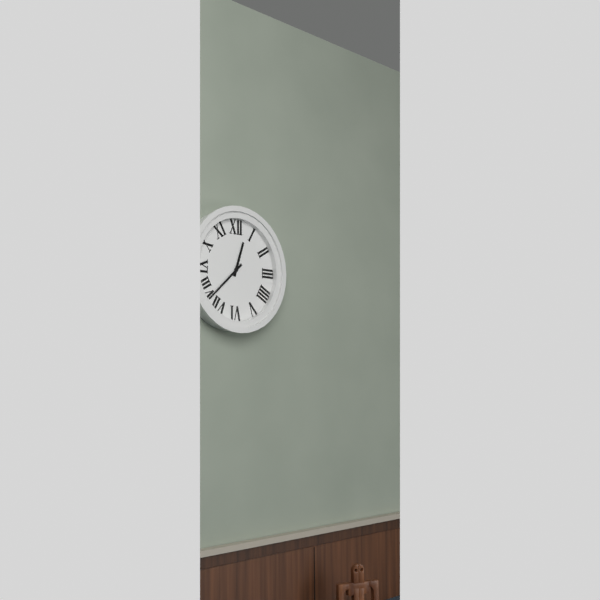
12:38
